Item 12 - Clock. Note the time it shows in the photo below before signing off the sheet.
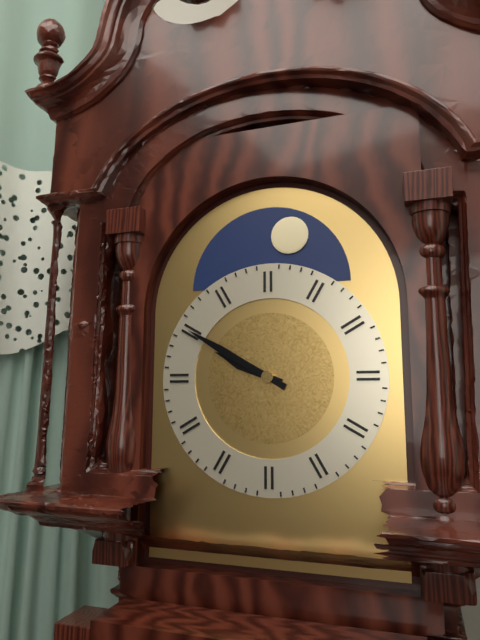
9:50
